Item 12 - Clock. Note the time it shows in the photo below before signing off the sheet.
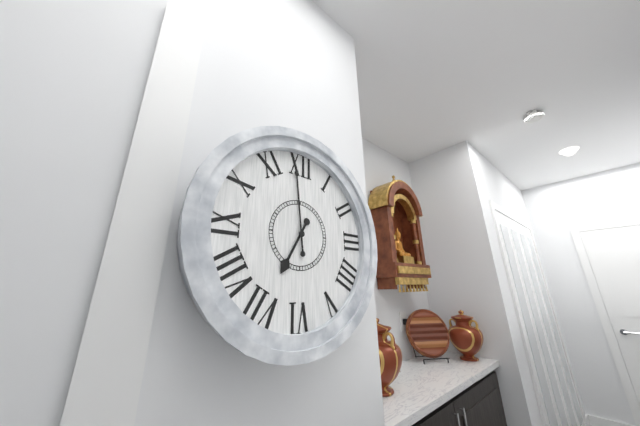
6:59
